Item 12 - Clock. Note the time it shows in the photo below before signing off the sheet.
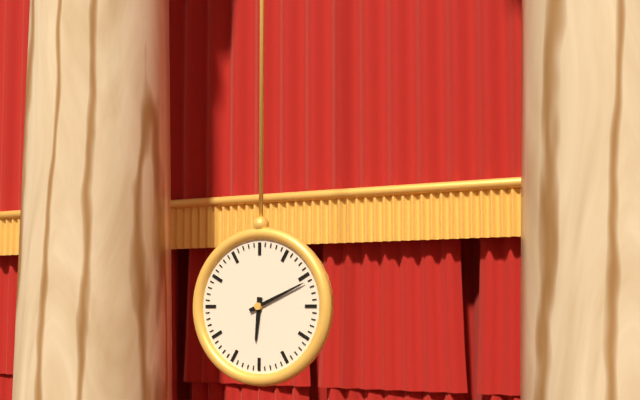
6:11
